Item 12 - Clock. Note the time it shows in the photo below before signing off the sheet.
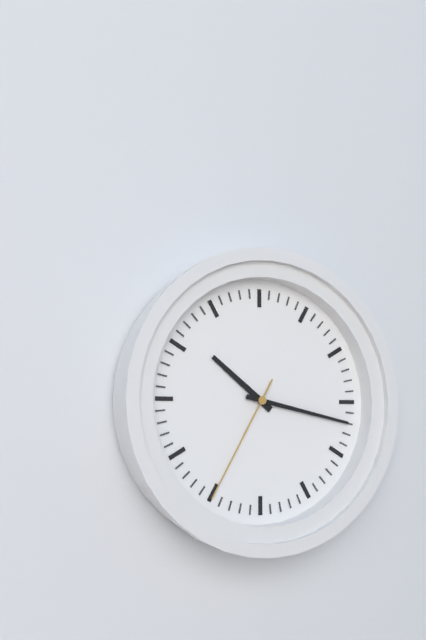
10:17:35
